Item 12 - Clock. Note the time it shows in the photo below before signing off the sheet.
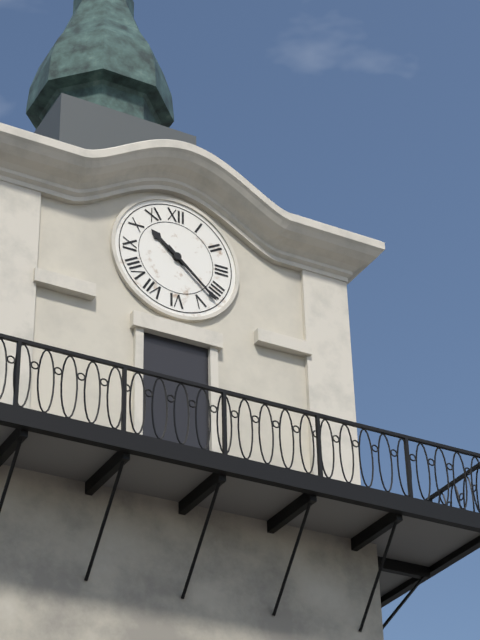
10:22
